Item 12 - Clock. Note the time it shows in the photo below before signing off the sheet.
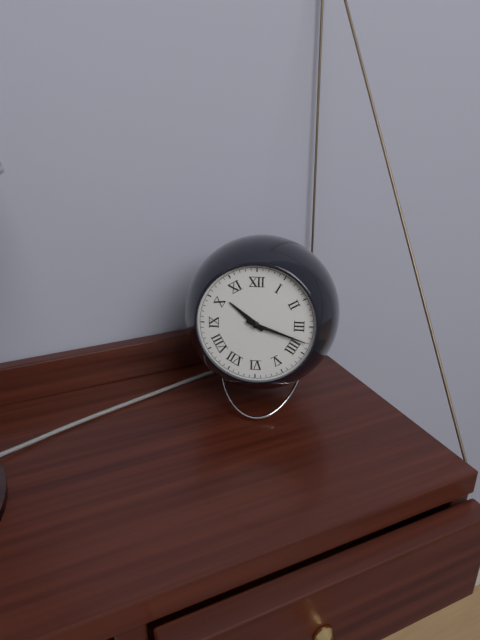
10:18
